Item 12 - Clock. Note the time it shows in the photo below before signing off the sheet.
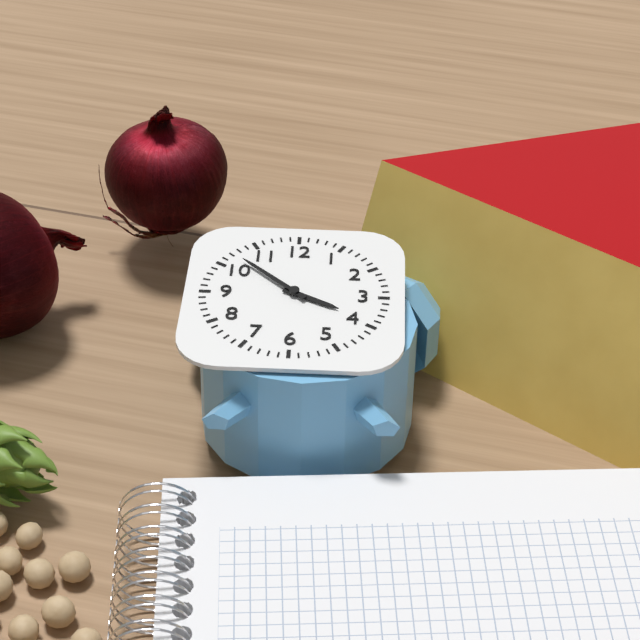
3:52
